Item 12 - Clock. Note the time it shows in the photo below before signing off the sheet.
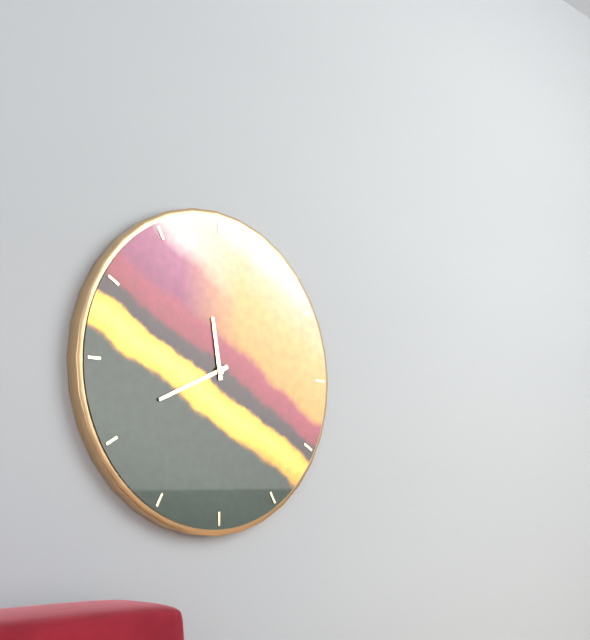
11:41
